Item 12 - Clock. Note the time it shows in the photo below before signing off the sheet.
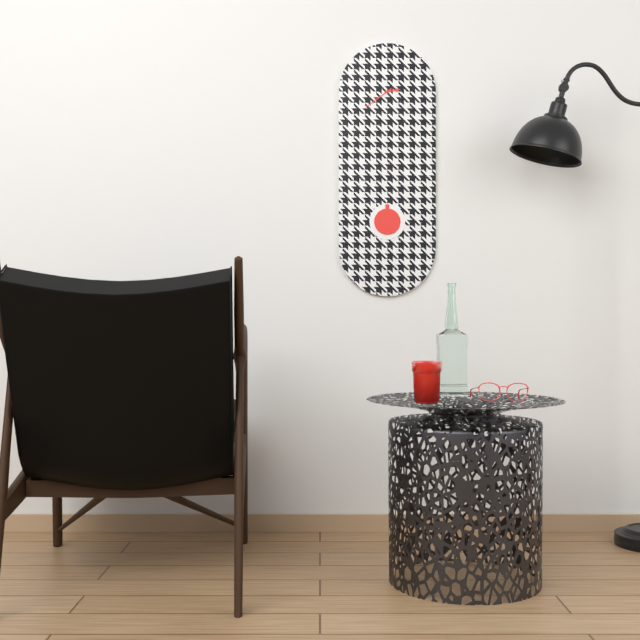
2:39
